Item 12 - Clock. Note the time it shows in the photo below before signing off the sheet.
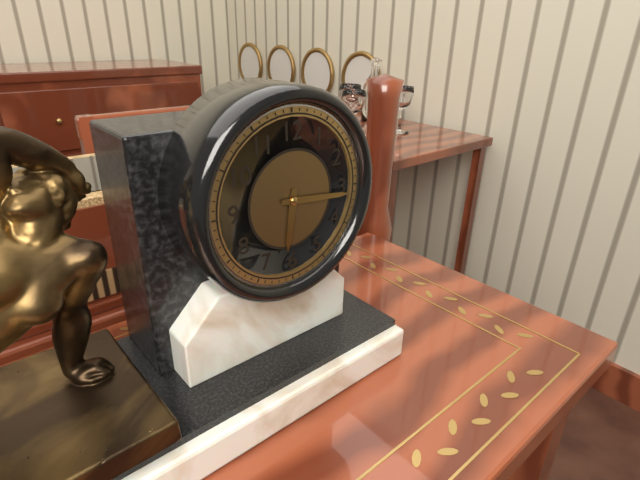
6:16
